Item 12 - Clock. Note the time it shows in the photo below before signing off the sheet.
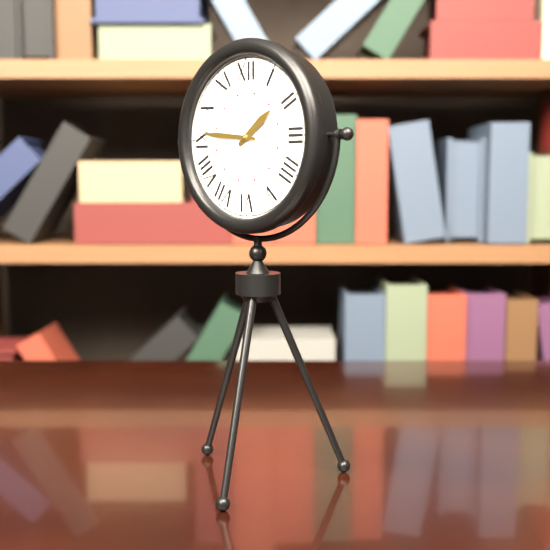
1:46
